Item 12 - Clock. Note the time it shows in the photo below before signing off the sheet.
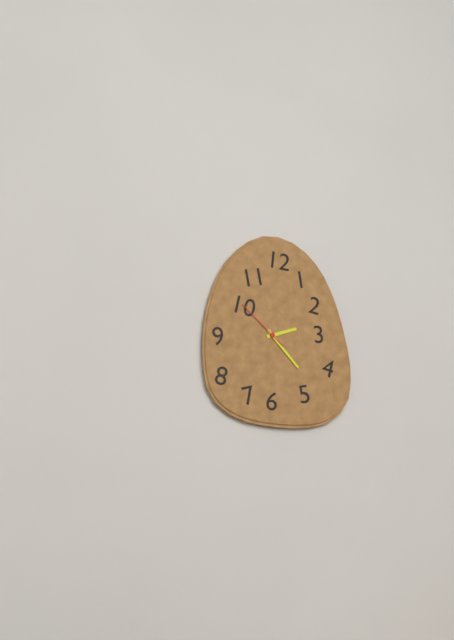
2:23:52
